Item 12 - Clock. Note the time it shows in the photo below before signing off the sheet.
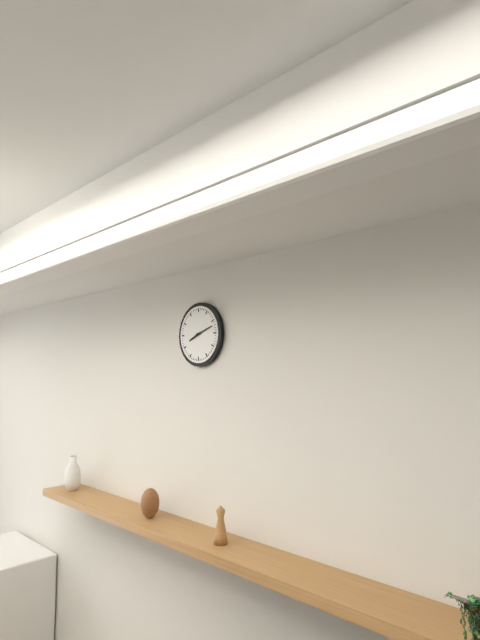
8:12
